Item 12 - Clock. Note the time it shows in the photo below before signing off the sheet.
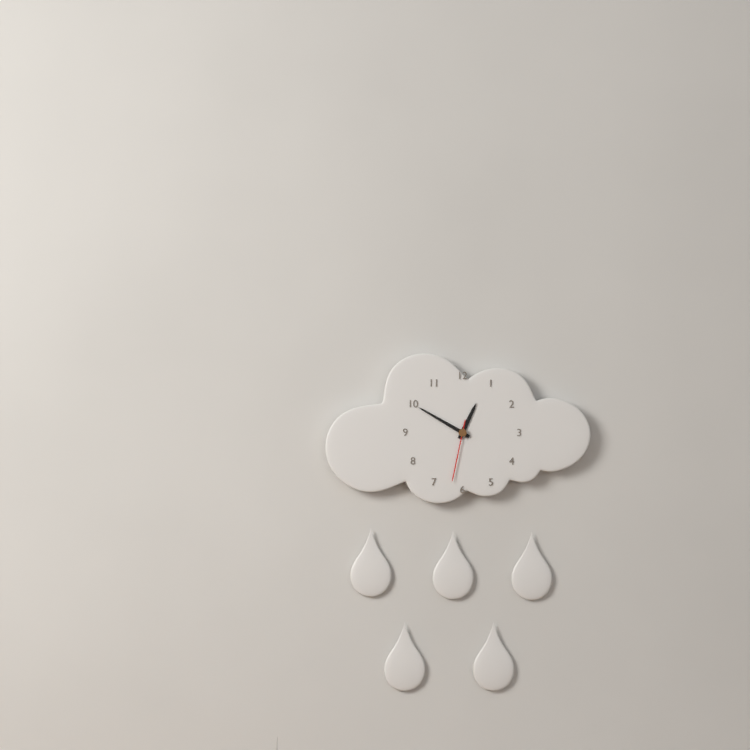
12:50:32
